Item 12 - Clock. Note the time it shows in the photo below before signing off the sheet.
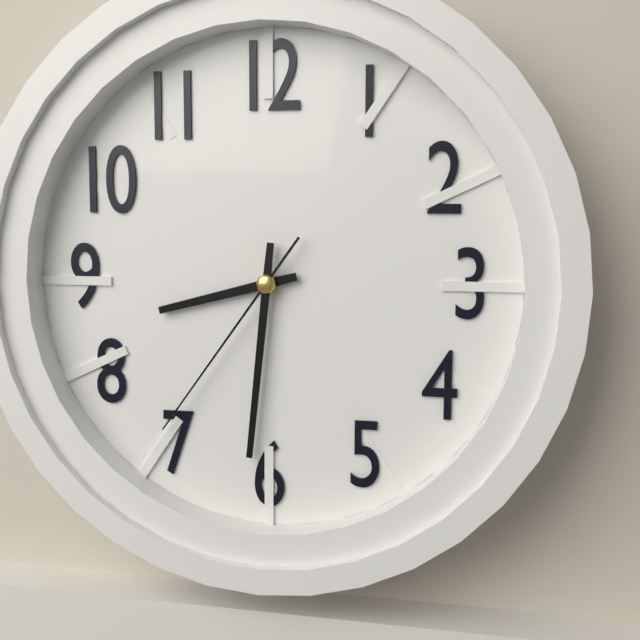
8:31:36
